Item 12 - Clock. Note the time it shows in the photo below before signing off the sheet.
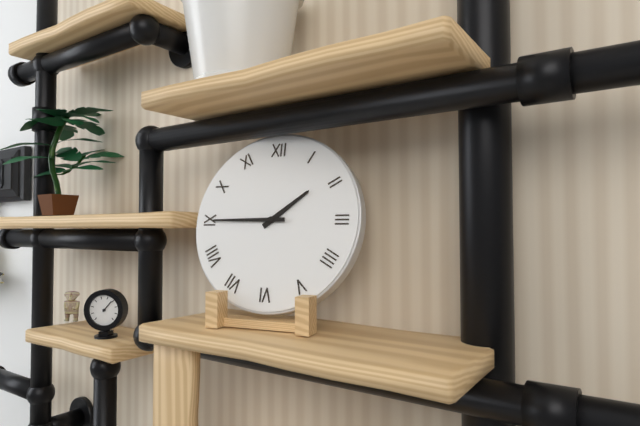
1:45
